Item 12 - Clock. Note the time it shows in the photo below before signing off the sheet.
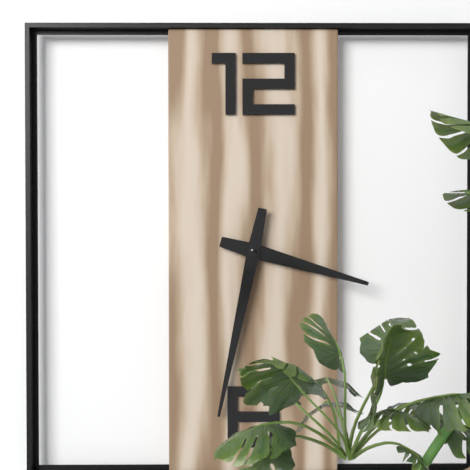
3:32
